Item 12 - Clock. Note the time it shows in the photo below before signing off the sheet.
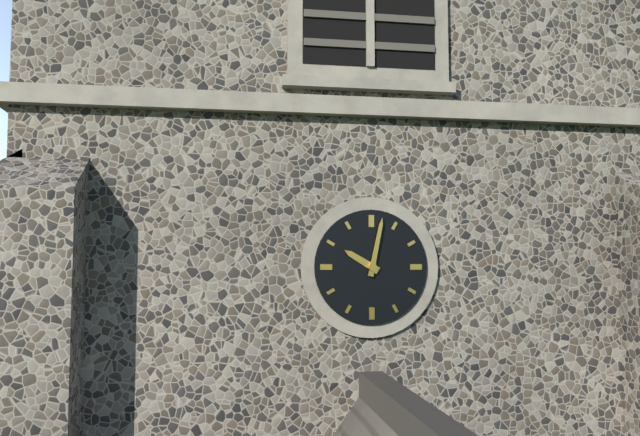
10:02
